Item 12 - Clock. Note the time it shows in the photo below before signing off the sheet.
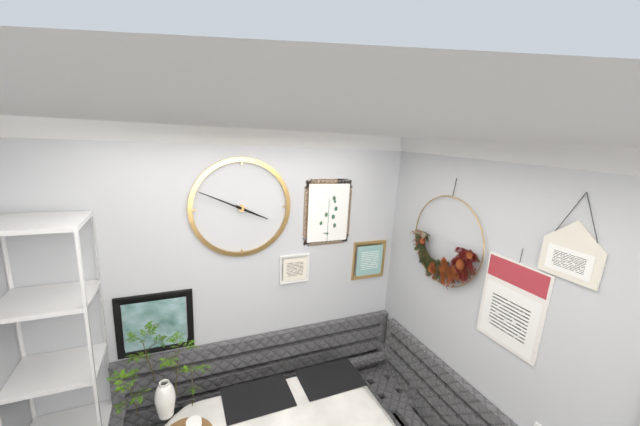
3:49
